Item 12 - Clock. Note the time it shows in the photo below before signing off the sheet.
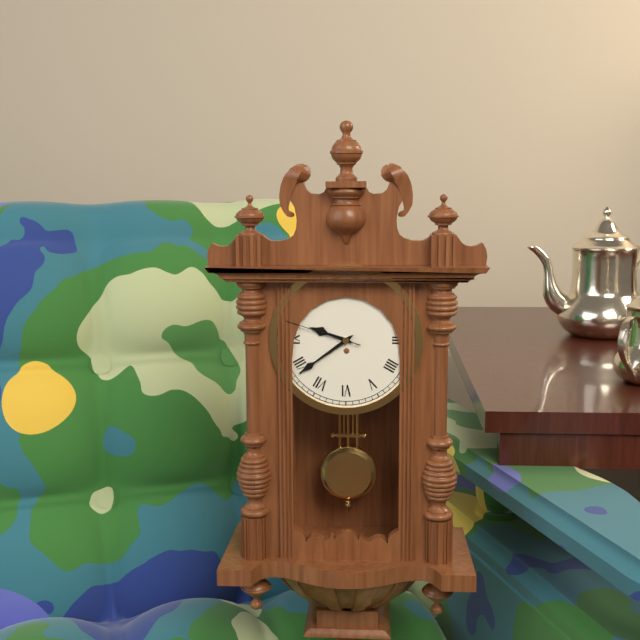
9:39:48
